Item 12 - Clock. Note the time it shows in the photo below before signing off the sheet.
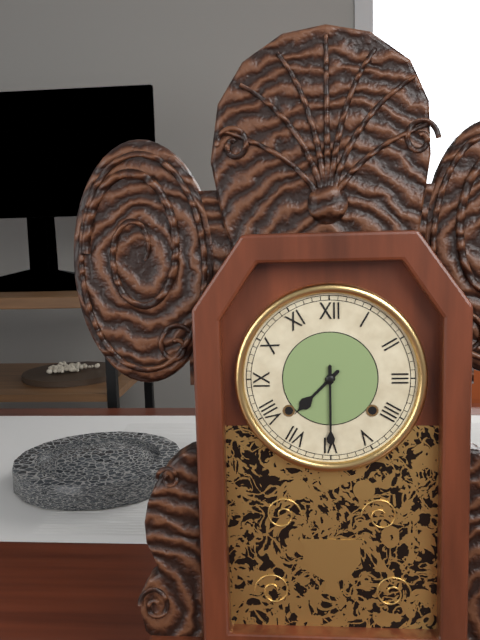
7:30
